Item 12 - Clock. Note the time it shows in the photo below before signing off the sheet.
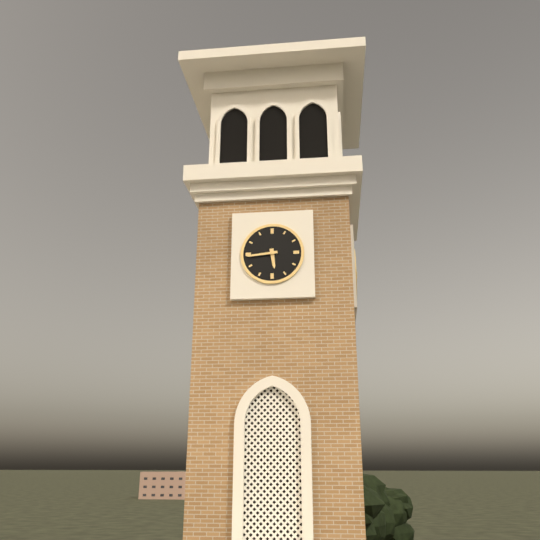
5:44
